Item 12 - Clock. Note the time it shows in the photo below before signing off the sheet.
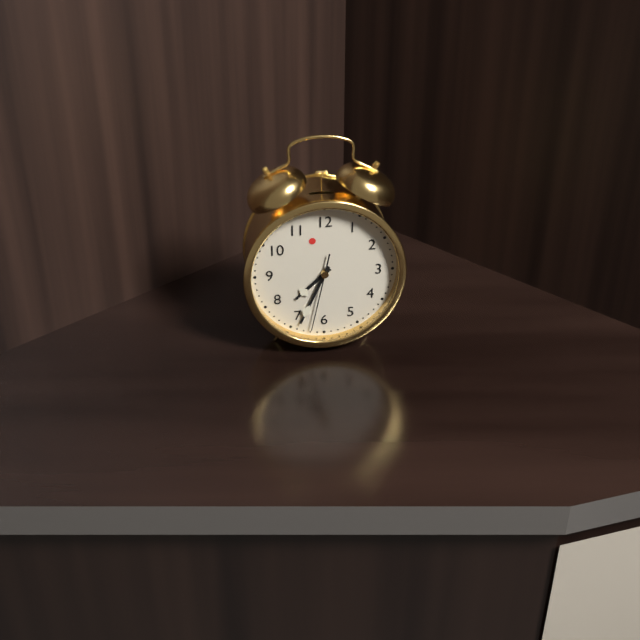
7:34:32
